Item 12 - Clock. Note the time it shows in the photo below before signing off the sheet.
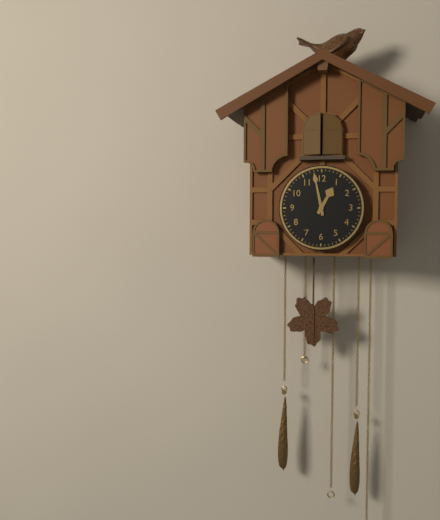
12:58
